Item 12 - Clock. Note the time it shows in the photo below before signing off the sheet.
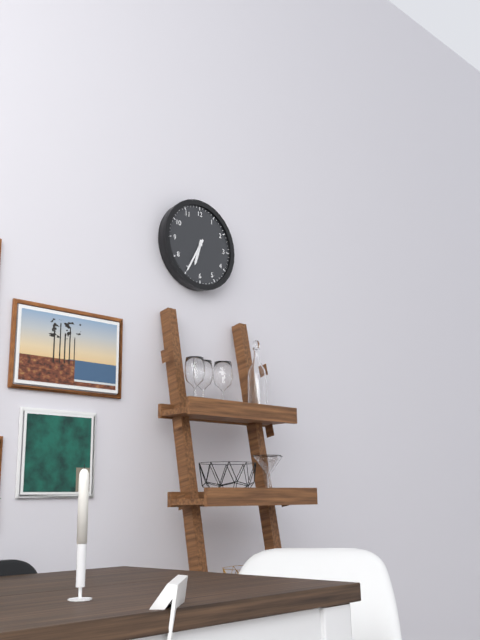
6:35
